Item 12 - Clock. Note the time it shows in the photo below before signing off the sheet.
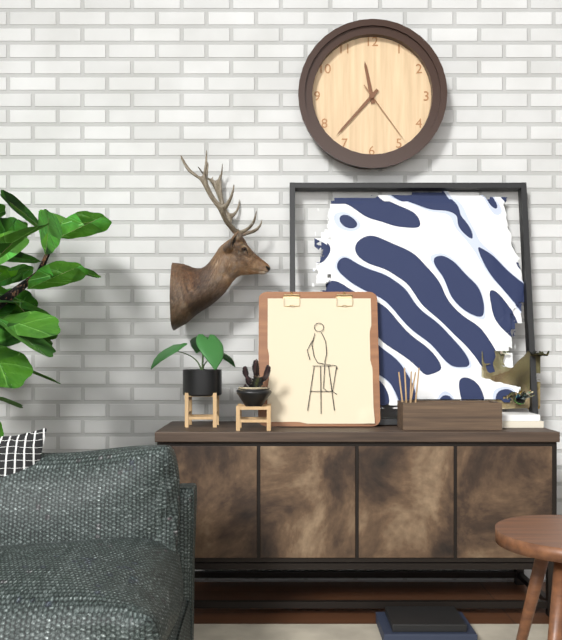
11:37:24
